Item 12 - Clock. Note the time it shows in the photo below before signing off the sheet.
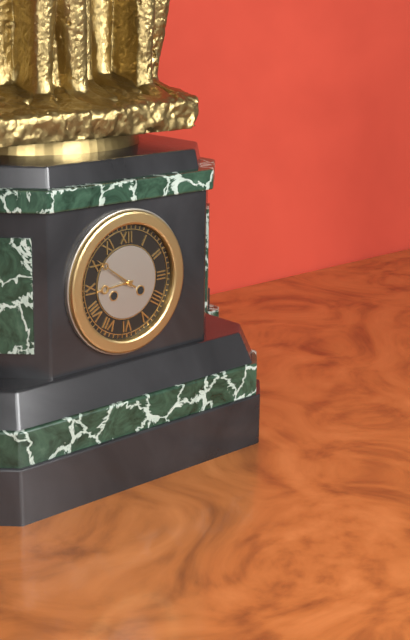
8:51
